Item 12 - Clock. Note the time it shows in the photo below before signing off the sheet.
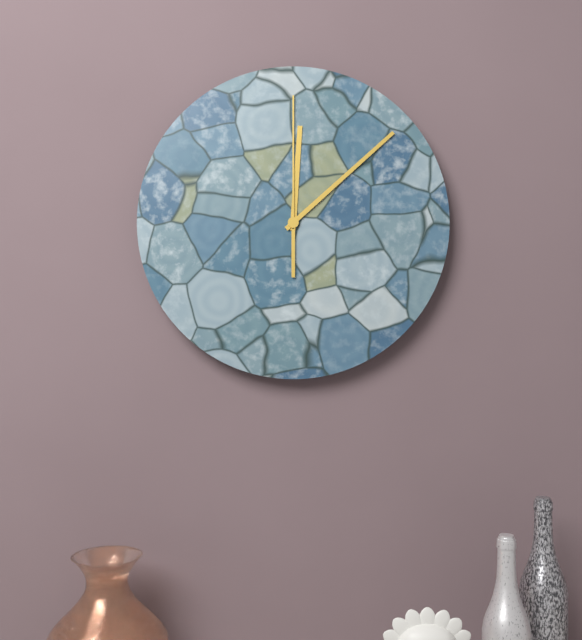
12:08:00
